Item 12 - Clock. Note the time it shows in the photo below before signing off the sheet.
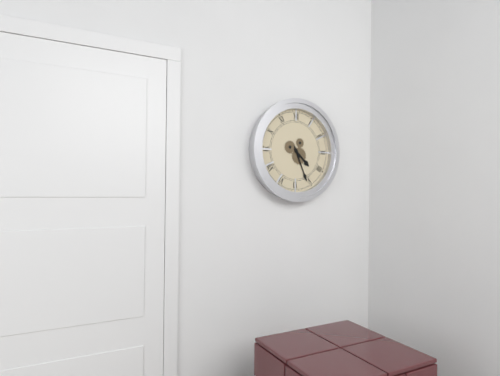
4:26
